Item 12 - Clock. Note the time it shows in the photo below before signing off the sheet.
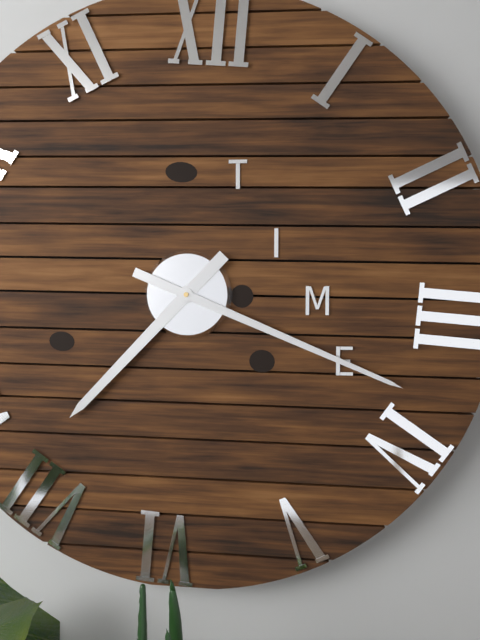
7:18
